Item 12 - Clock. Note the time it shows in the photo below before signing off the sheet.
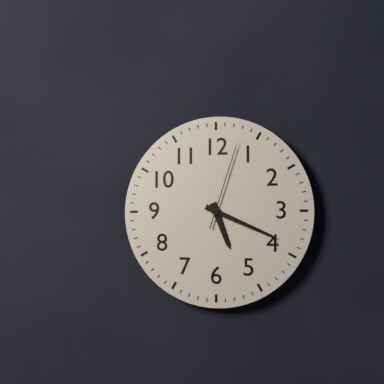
5:19:03
